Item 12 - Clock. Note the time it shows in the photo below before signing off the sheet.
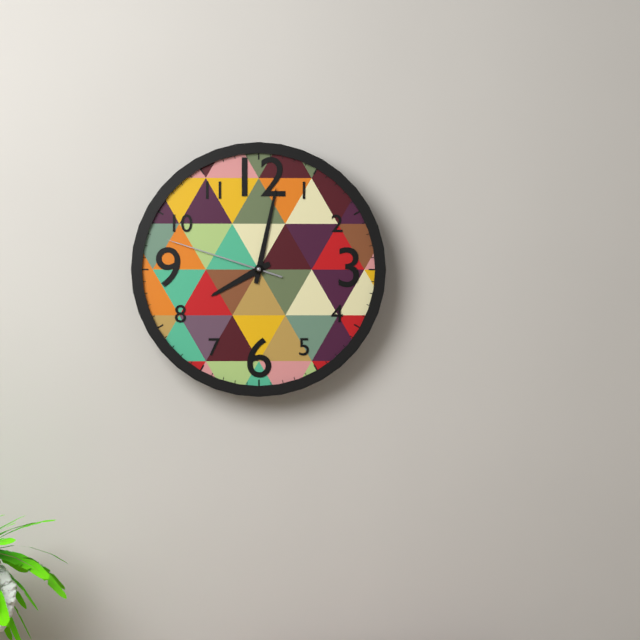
8:02:48
